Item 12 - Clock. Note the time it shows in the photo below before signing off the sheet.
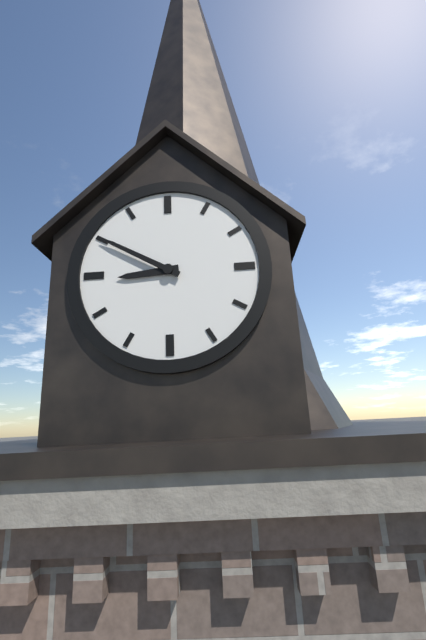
8:50
